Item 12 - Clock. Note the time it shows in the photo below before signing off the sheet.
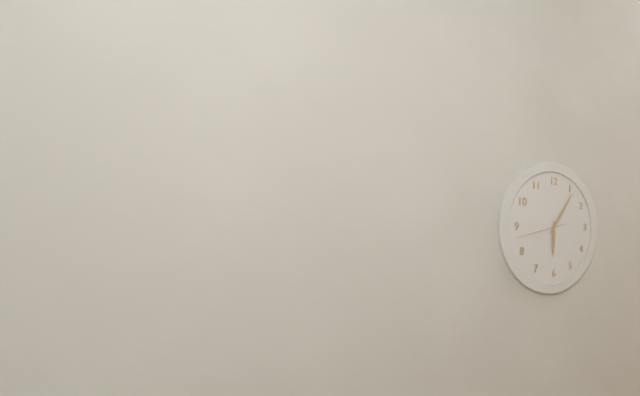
6:06
